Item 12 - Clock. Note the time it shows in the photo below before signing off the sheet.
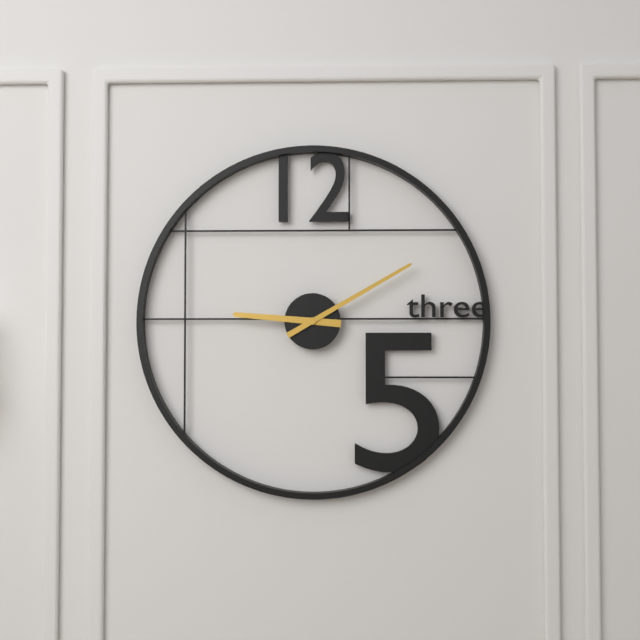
9:10
